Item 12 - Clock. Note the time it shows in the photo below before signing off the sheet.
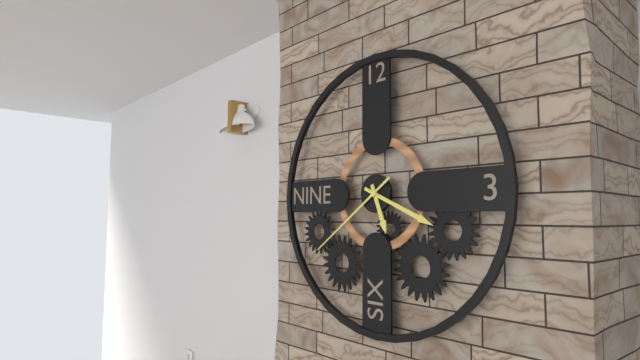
5:19:39
